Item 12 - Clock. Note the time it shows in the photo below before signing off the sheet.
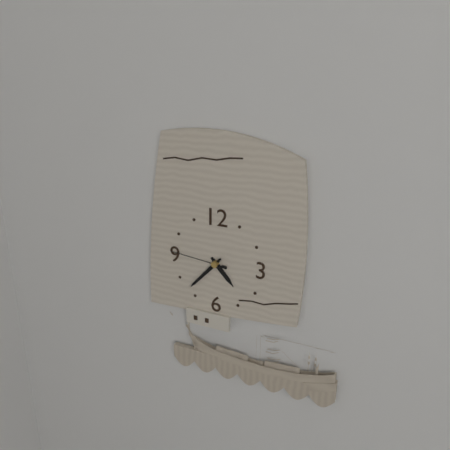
4:37:46
